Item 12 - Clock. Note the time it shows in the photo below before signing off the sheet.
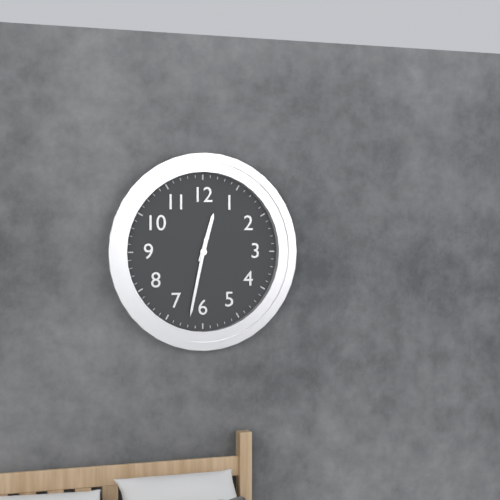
12:32
